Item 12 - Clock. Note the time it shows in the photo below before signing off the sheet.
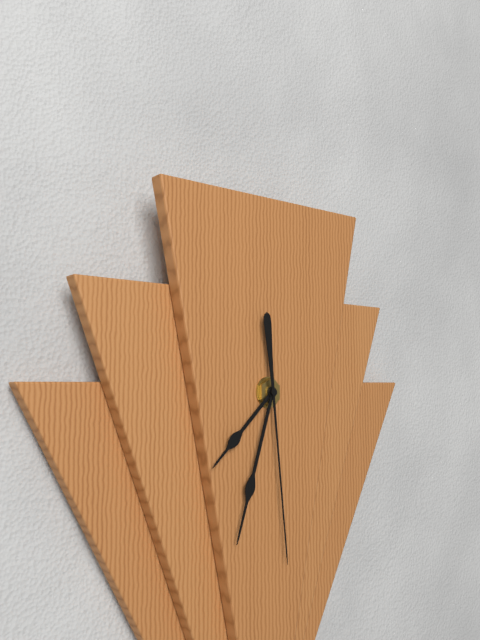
7:33:29
